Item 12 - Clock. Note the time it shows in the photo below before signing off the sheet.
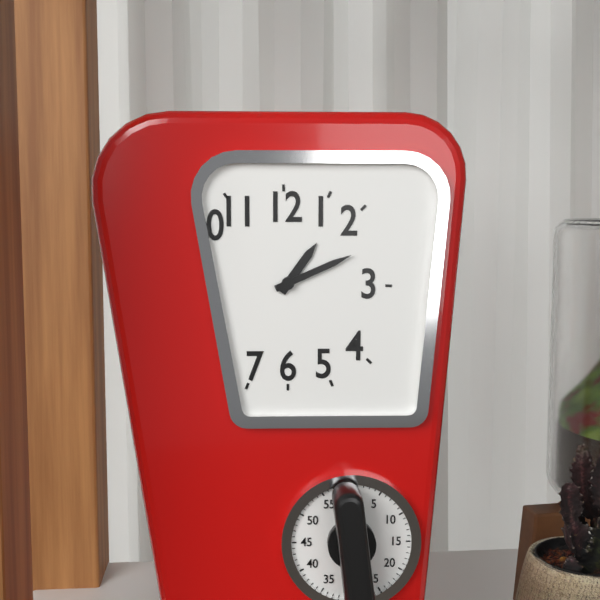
1:11
